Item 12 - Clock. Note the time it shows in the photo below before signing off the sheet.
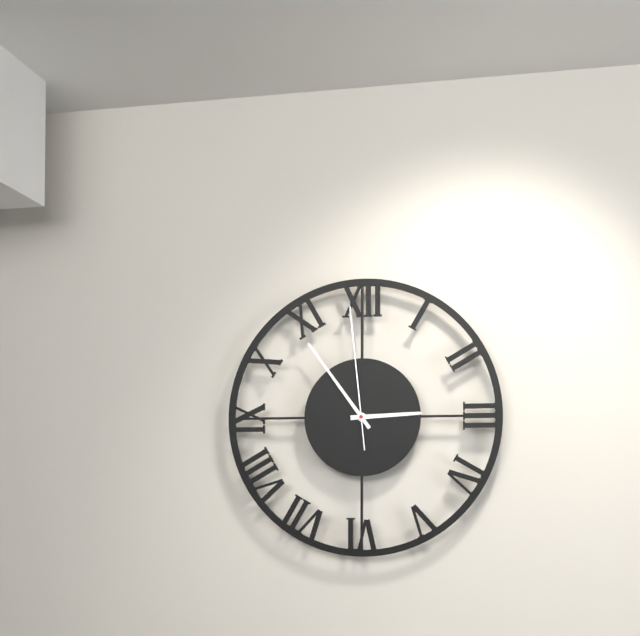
2:54:59
